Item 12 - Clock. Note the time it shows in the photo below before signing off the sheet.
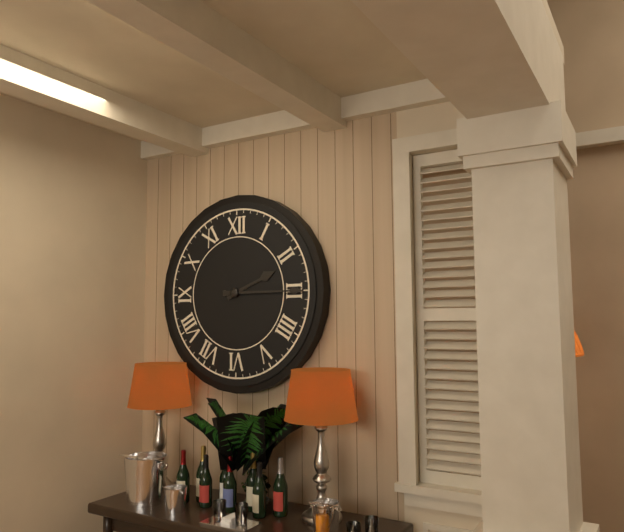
2:15
